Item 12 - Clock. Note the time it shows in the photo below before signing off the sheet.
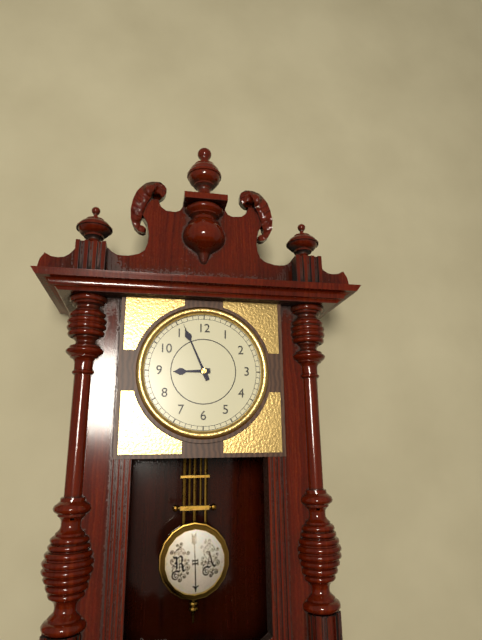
8:56
